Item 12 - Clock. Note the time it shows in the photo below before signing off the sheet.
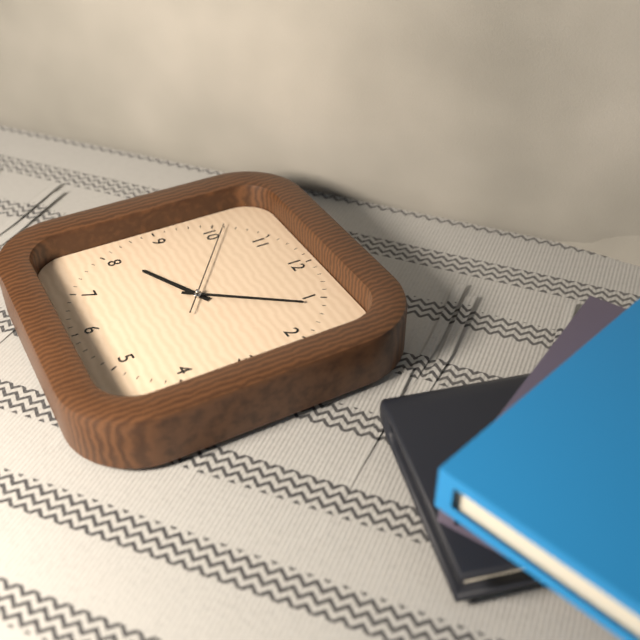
8:06:51
